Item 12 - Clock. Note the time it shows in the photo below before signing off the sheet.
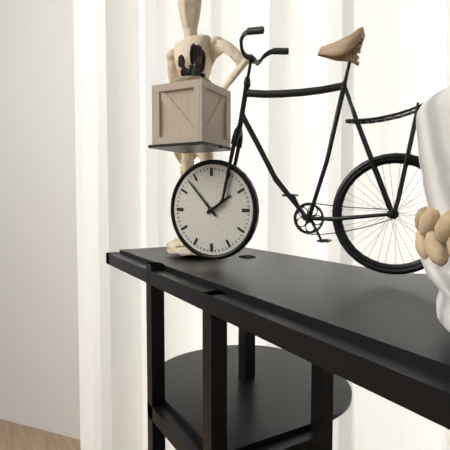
1:53
